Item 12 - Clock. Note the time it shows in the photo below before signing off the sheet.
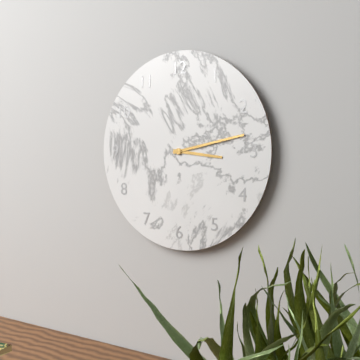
3:13
